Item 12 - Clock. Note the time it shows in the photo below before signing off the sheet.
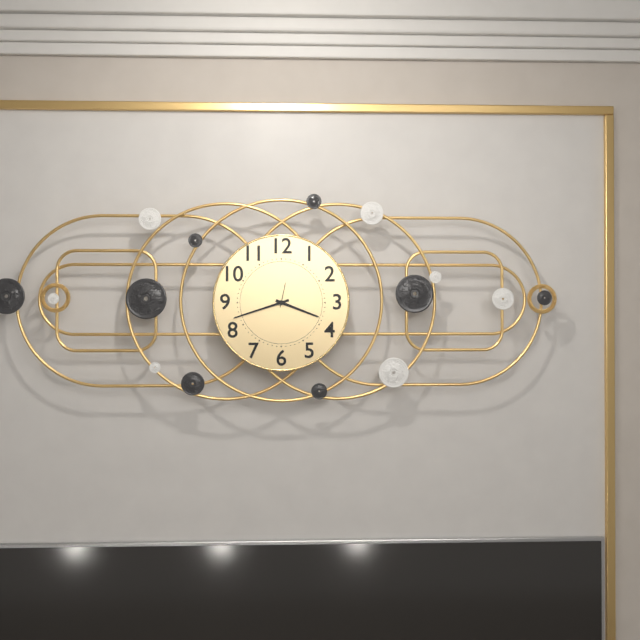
3:42
